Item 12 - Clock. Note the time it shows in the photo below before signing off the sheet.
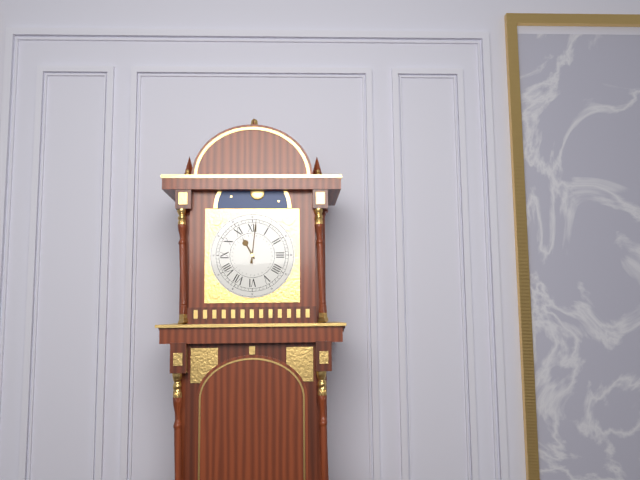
11:01
